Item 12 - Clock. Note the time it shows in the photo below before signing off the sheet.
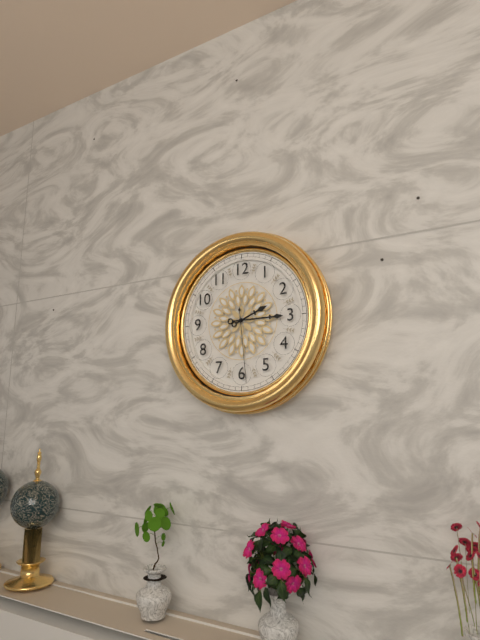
2:15:29
